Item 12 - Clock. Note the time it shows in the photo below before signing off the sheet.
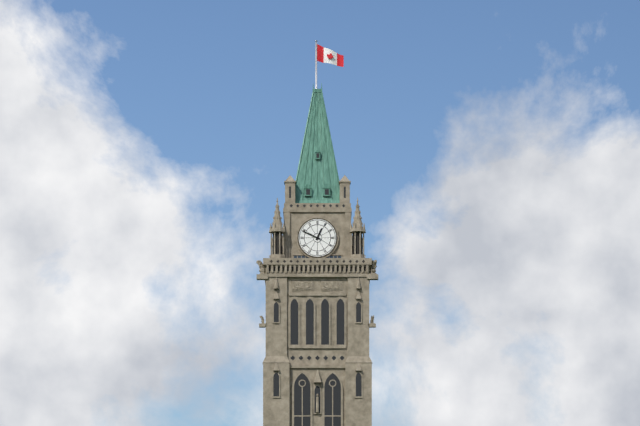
12:49
